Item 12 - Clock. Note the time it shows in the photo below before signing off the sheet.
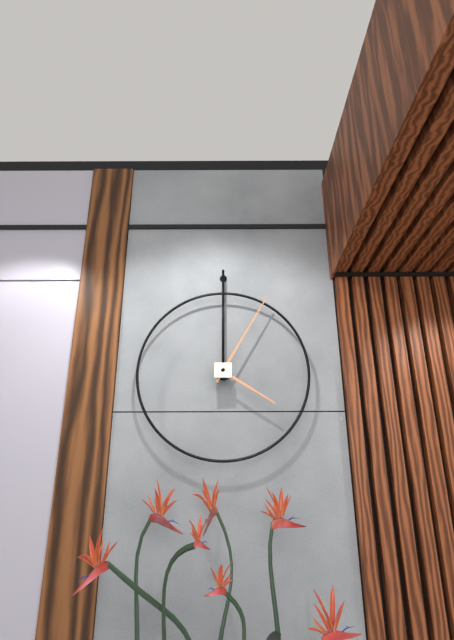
4:05
